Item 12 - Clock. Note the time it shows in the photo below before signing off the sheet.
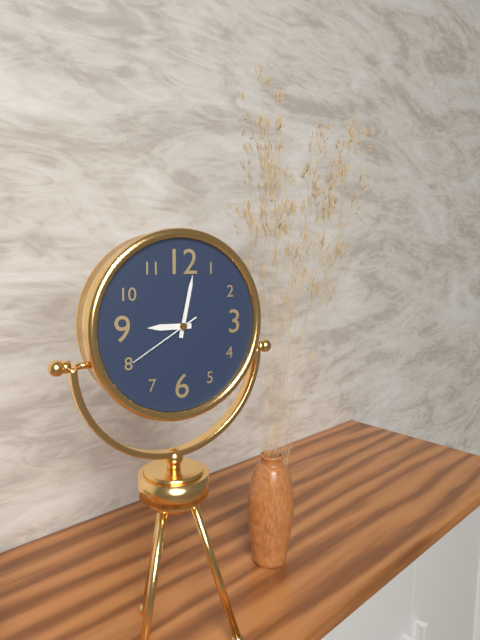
9:02:40
